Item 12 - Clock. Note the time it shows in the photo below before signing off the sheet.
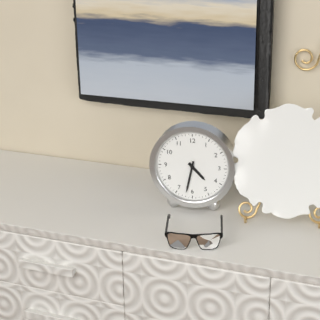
4:32
